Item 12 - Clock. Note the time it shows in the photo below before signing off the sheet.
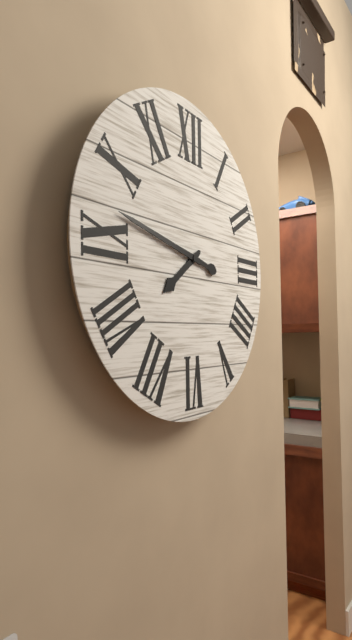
7:47
